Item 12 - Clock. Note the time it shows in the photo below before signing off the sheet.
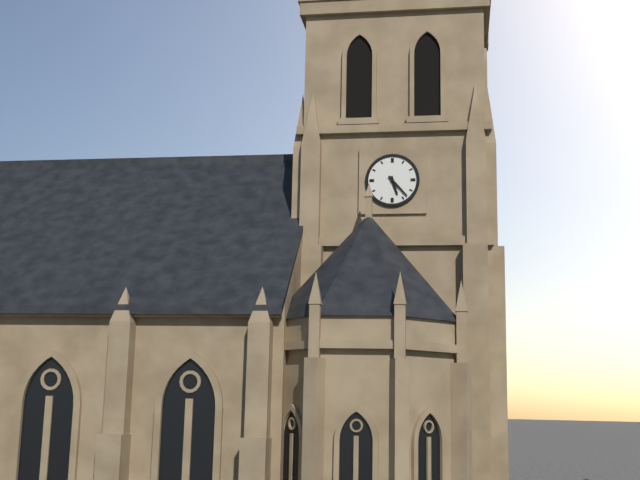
5:23
